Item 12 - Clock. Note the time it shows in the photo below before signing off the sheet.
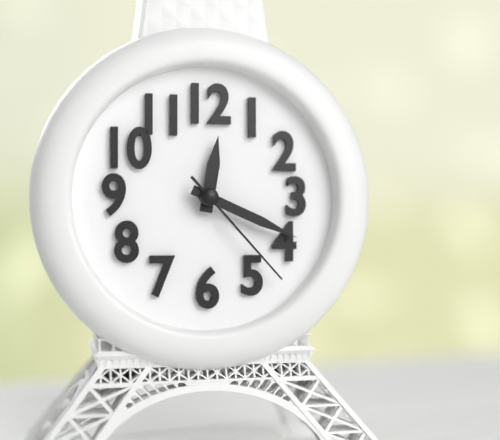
12:19:23
